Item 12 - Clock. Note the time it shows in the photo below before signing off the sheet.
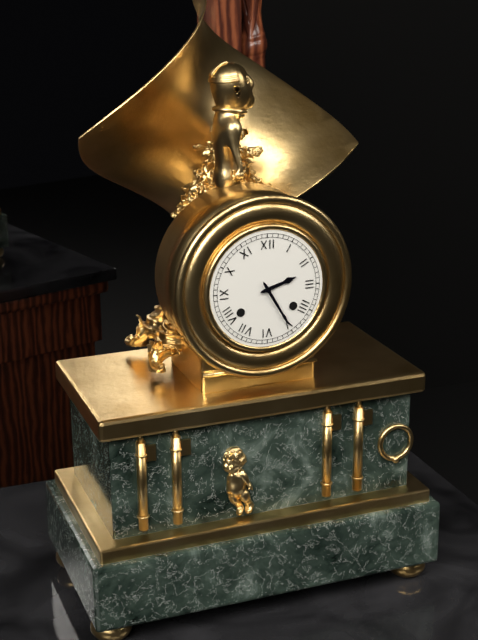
2:25
